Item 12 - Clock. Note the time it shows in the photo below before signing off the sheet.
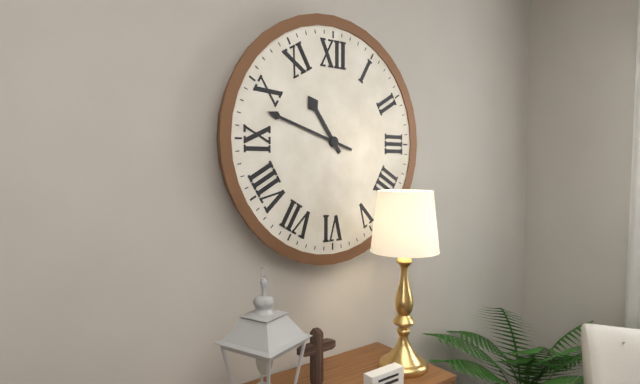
10:48
